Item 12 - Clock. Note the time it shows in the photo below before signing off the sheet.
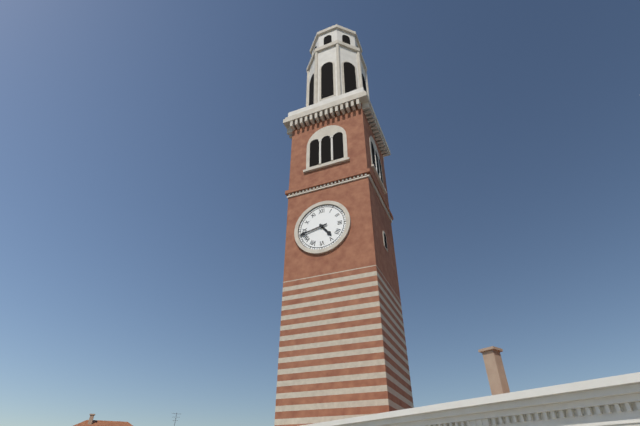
4:43
